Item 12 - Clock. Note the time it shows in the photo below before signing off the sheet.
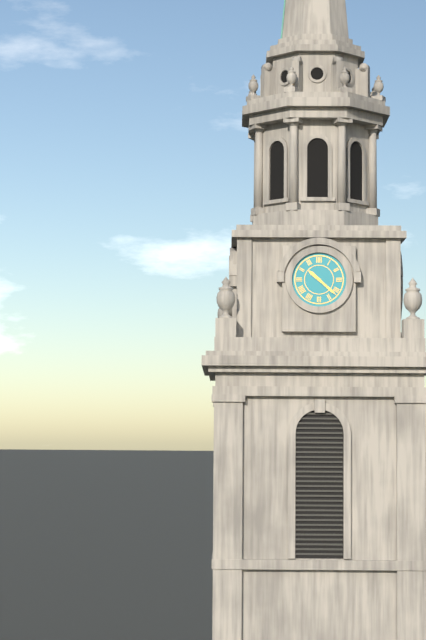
10:22
